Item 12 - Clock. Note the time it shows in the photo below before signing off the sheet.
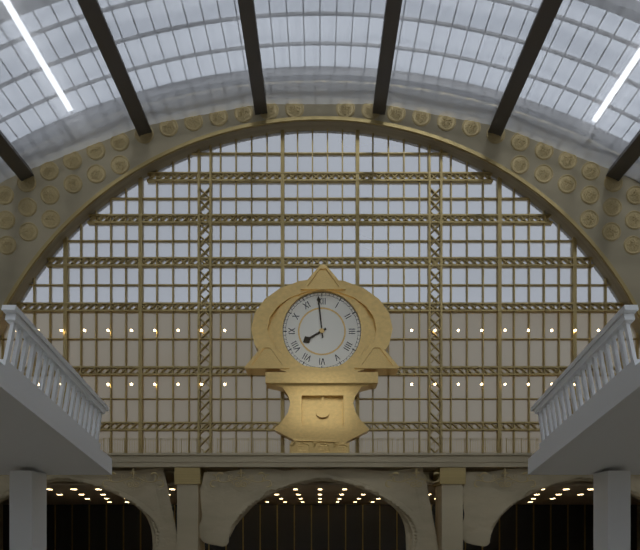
7:59
